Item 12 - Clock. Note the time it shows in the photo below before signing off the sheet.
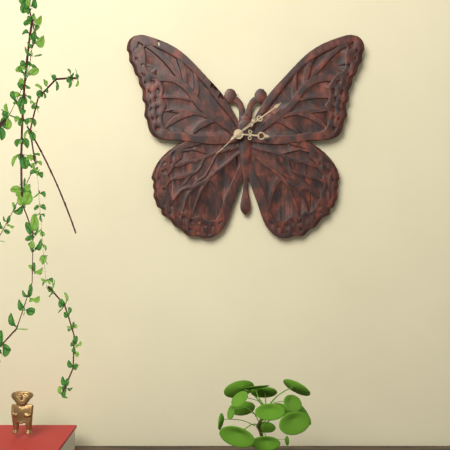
3:09
